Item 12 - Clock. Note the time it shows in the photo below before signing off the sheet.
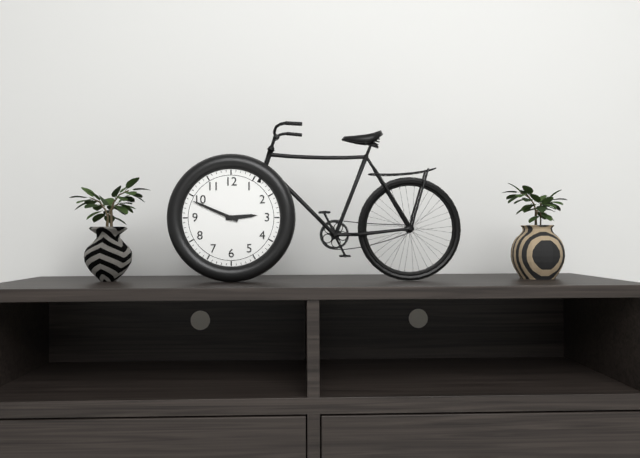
2:49
